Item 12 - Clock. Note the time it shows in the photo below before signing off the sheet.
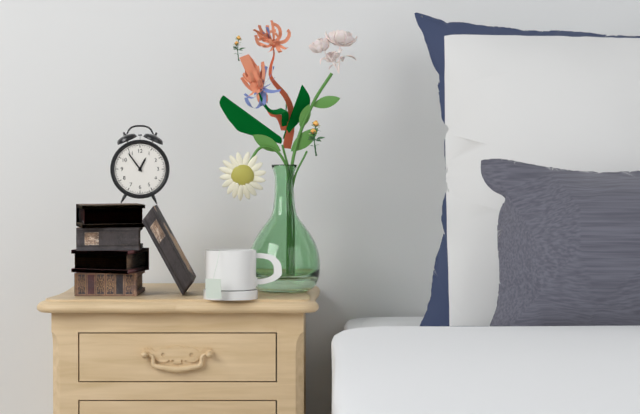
12:54
